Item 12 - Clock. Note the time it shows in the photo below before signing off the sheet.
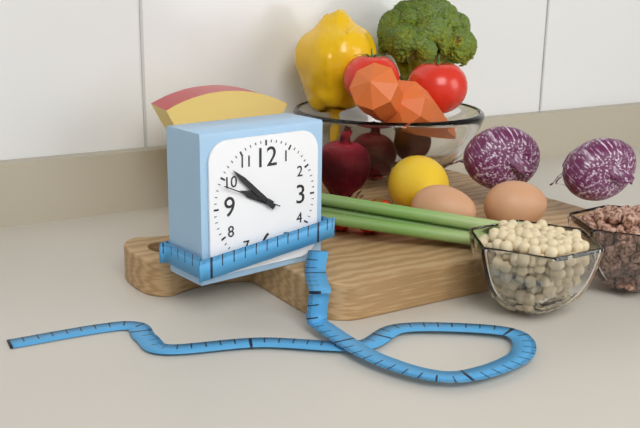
9:52:49
